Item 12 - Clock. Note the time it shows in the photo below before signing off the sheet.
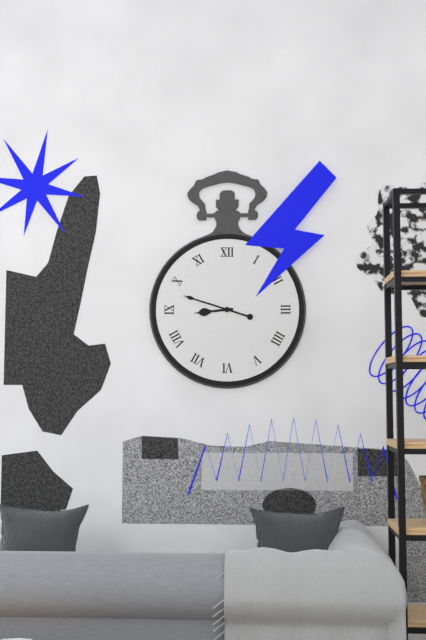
8:48
